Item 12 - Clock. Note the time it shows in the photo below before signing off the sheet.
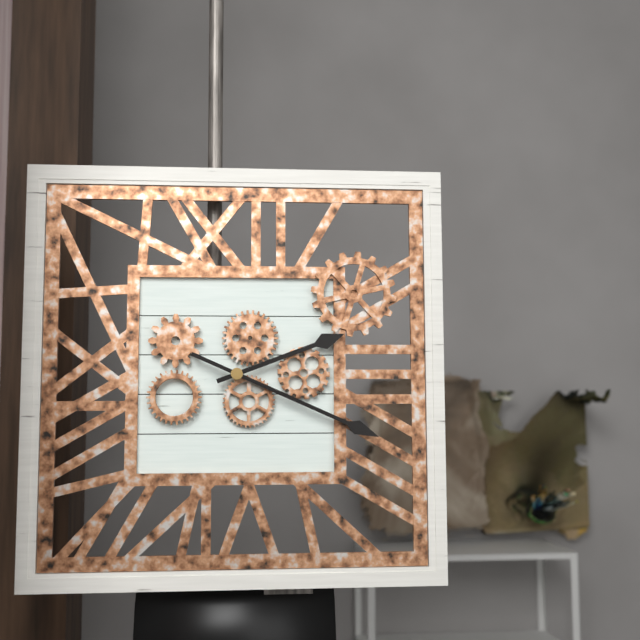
2:19
